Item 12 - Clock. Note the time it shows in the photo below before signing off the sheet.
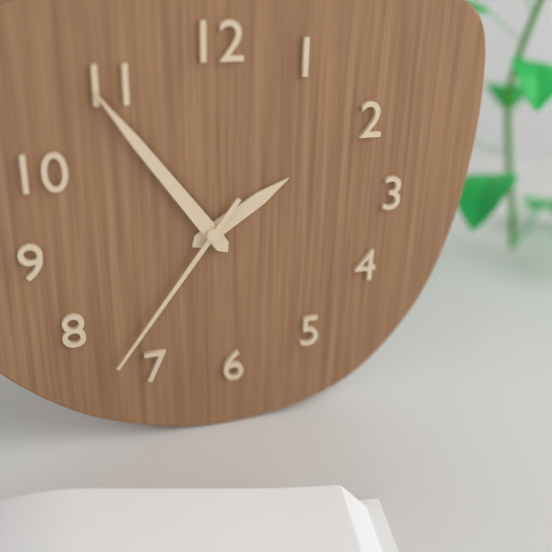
1:54:36
